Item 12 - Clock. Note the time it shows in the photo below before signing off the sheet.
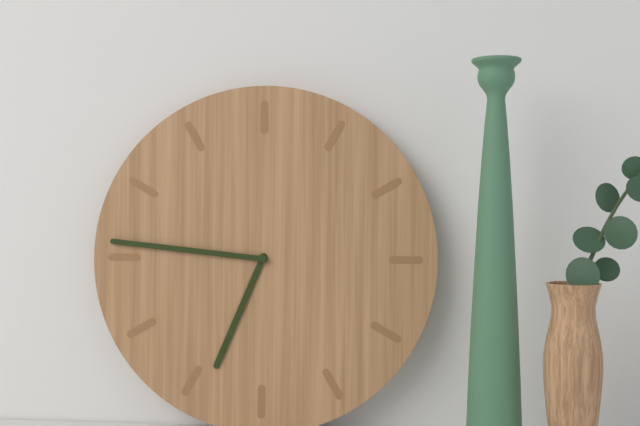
6:46
